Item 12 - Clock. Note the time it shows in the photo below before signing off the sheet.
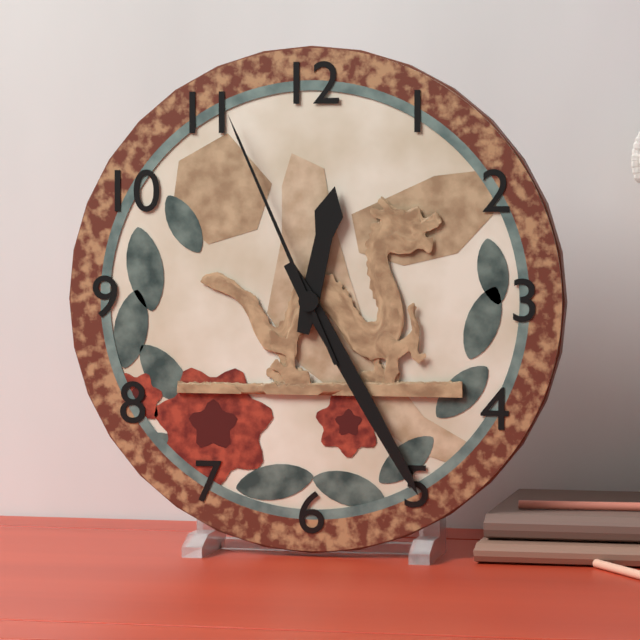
12:25:56
